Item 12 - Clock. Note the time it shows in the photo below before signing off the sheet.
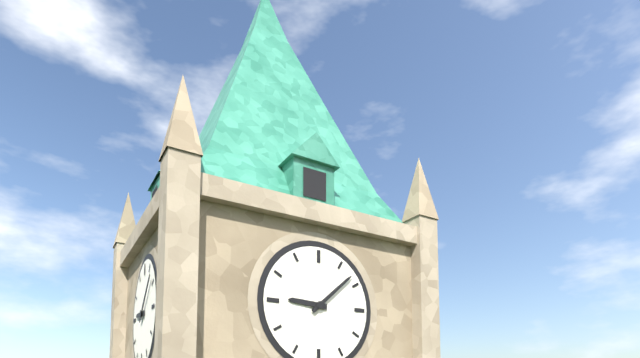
9:08
